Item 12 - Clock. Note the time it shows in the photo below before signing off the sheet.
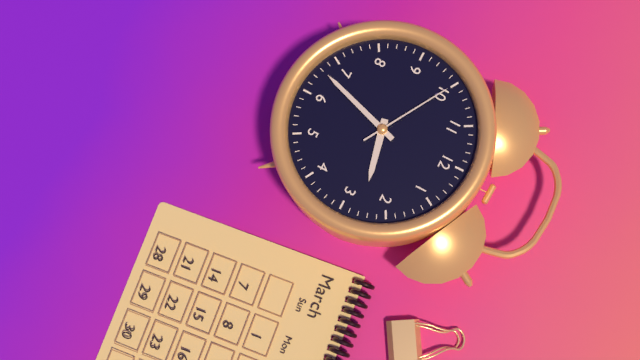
2:33:50
